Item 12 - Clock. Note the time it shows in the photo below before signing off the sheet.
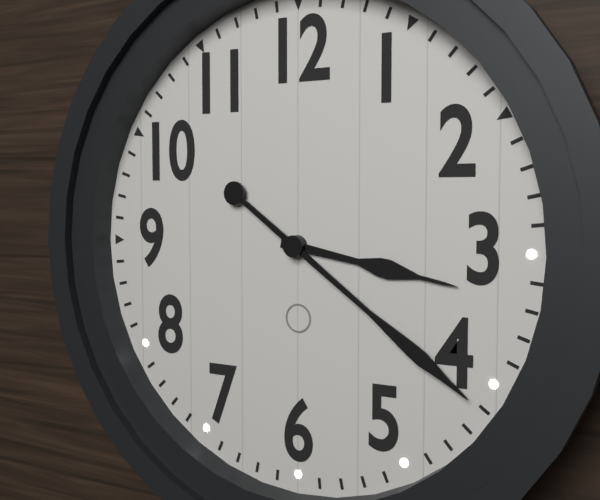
3:21
